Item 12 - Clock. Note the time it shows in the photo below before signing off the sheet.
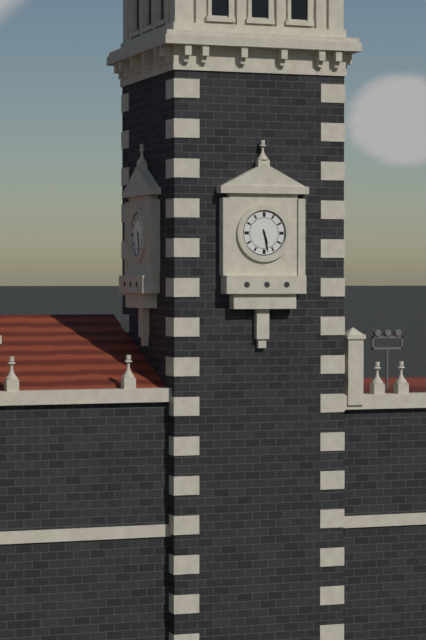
5:28
